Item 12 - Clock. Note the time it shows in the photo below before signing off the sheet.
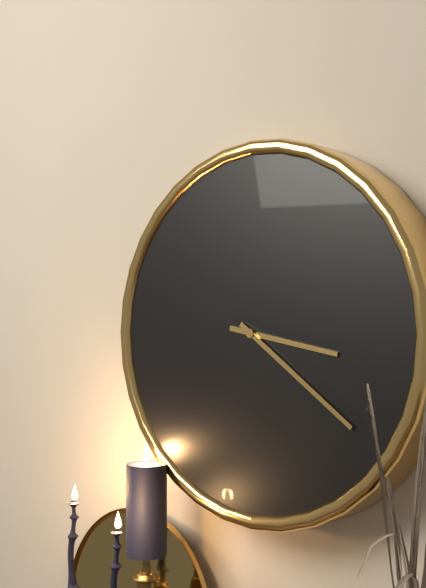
3:21
